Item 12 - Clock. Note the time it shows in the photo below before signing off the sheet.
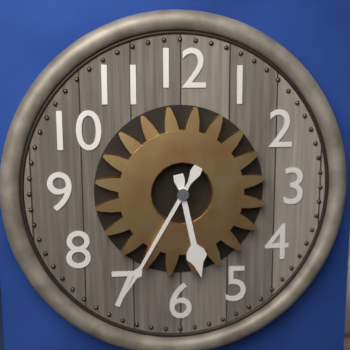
5:35
